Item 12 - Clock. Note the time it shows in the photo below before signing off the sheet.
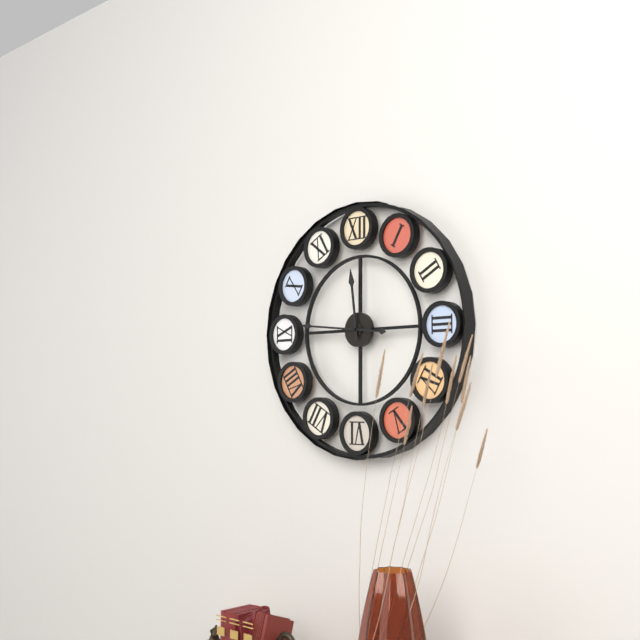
11:46
